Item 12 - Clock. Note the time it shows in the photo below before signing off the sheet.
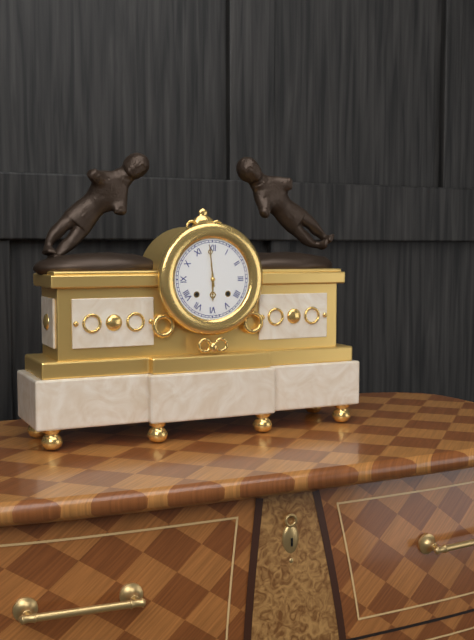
5:59
